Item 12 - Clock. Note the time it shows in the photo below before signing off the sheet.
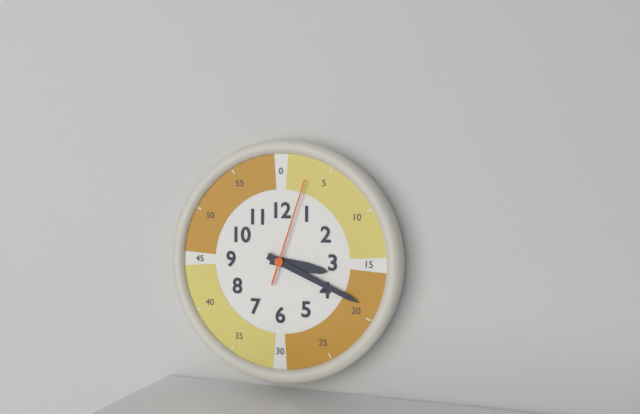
3:19:03
